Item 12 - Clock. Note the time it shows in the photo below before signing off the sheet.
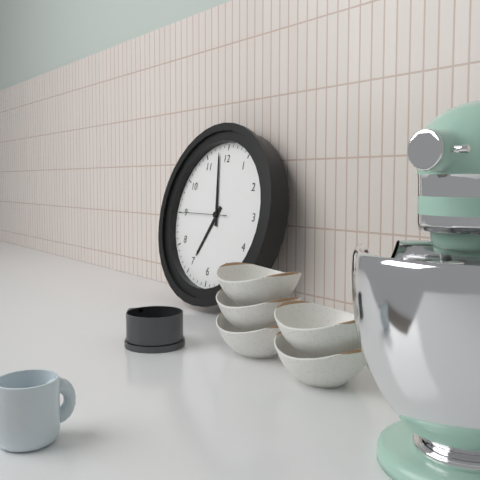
6:58
